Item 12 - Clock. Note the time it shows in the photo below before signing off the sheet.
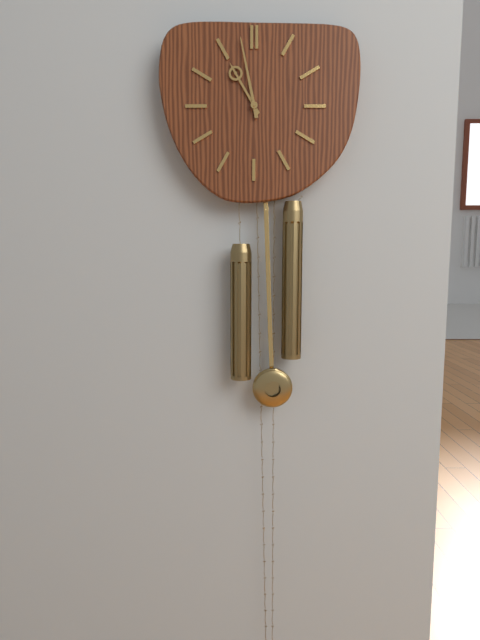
10:58
